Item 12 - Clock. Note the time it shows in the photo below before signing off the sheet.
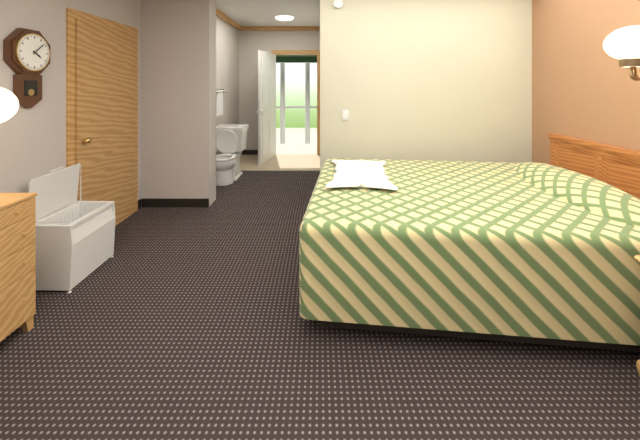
4:08
